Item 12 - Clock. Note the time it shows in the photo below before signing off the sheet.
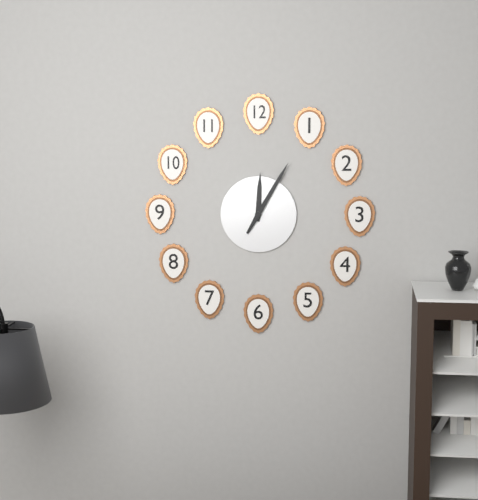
12:05
